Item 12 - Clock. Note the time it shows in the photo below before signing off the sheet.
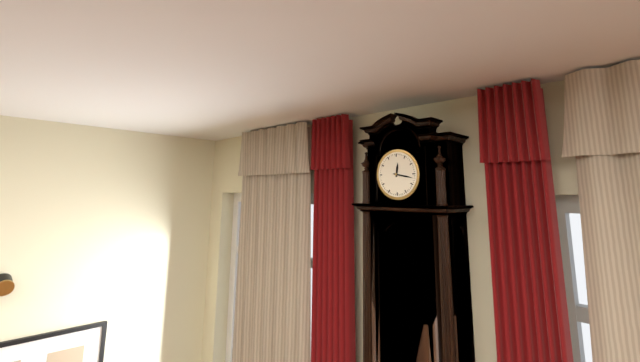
12:17
